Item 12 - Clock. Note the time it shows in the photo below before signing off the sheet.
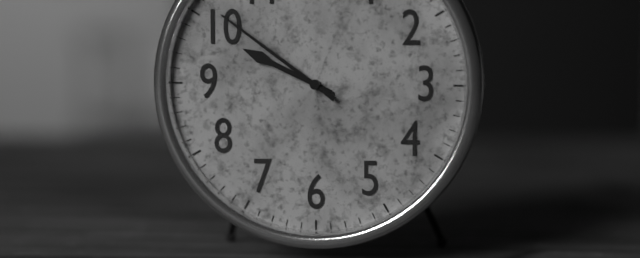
9:51
